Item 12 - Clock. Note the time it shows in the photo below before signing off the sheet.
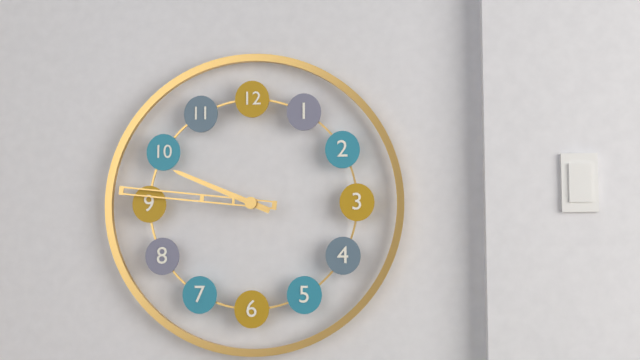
9:46
